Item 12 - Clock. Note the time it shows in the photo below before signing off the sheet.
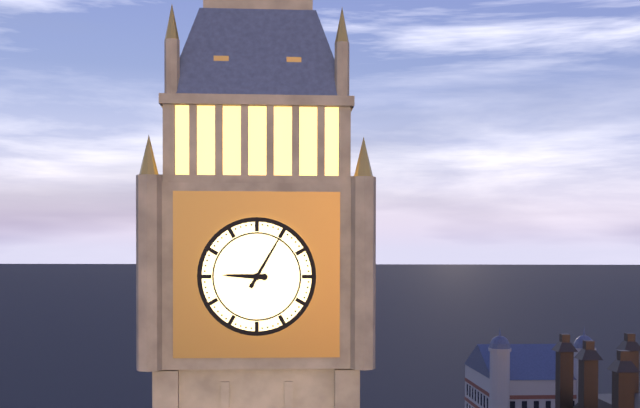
9:05
